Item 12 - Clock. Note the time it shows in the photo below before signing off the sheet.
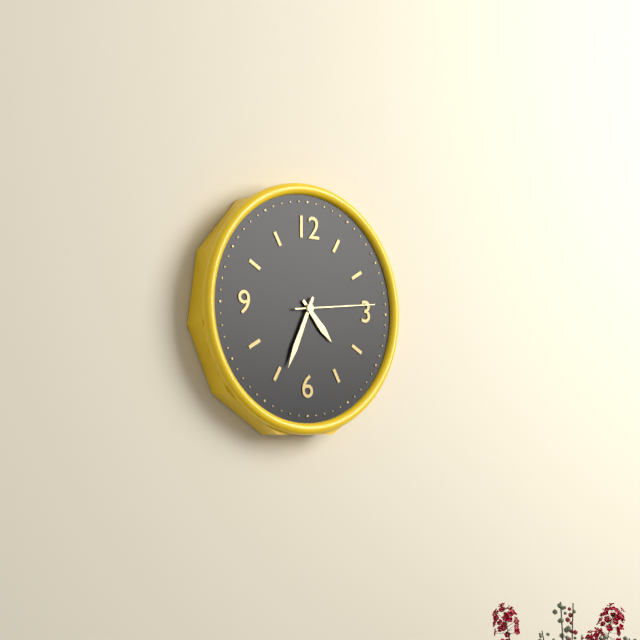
4:34:14
